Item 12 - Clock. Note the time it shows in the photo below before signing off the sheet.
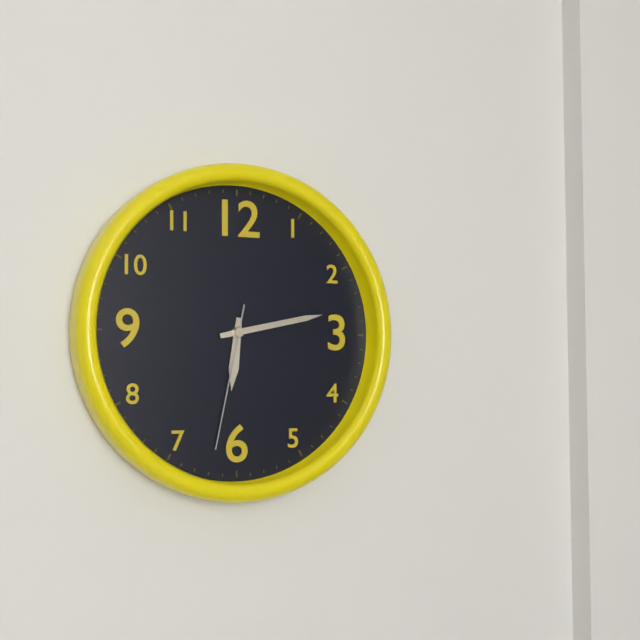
6:13:32
